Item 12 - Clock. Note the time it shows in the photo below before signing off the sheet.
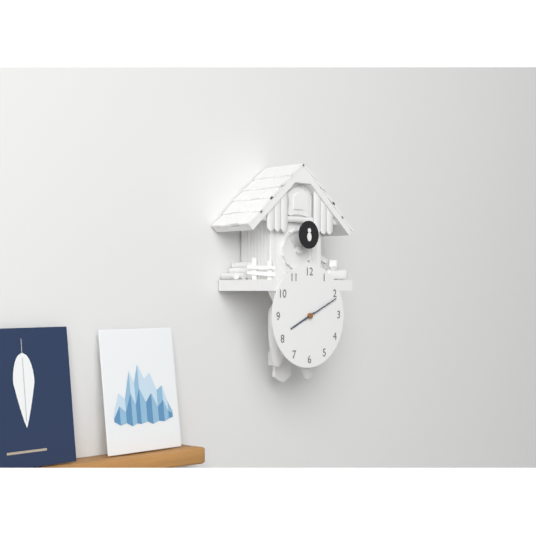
8:11
